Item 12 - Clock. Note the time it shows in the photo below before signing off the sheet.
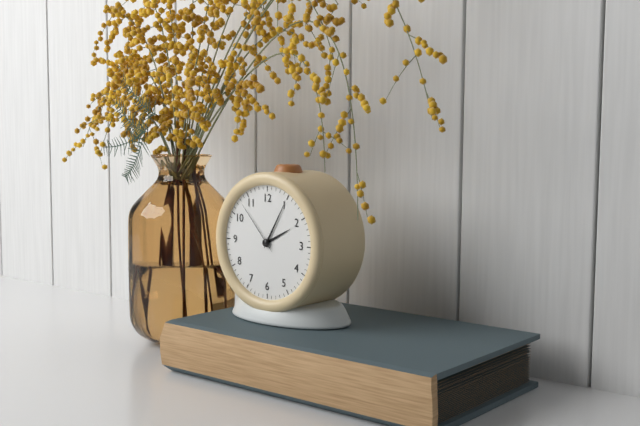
2:05:53
